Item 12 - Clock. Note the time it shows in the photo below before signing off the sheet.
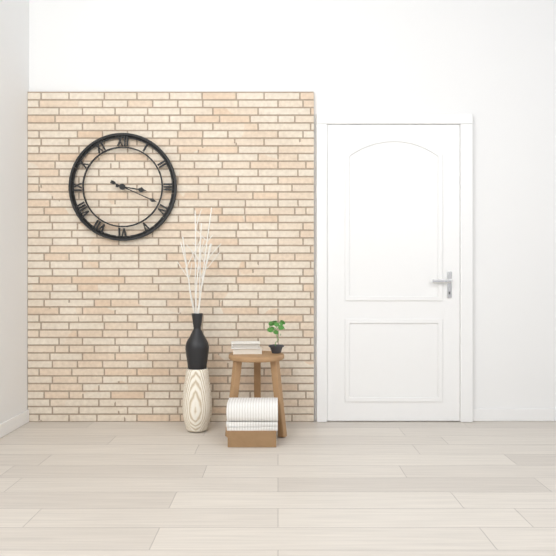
3:19
